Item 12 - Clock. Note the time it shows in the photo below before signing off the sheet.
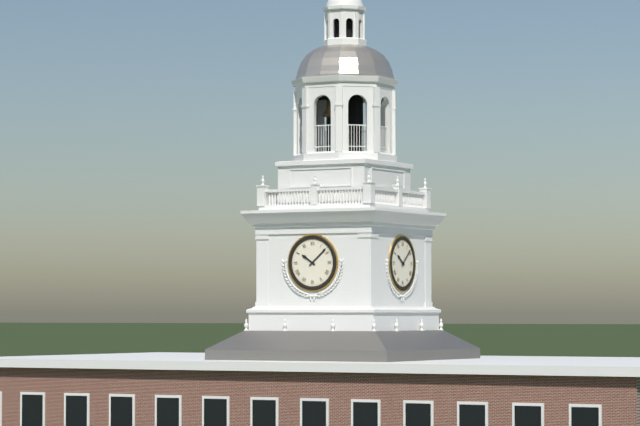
10:08
